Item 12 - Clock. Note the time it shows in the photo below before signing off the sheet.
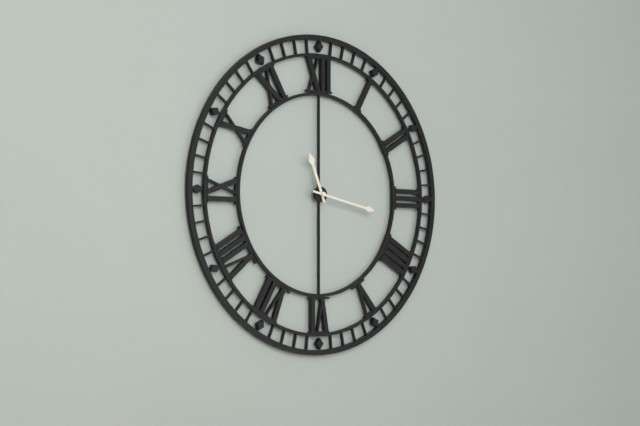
11:17
